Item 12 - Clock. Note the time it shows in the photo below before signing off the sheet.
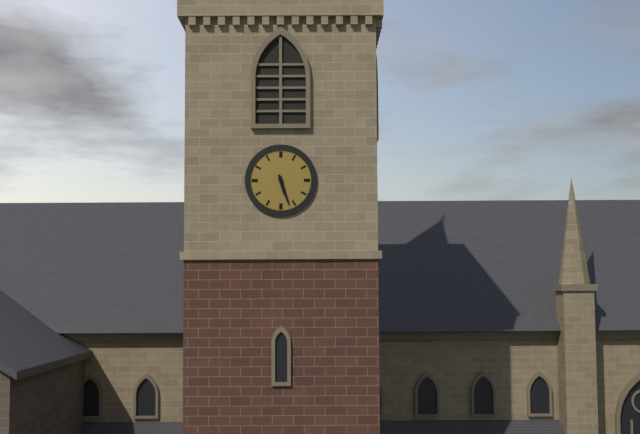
5:27
